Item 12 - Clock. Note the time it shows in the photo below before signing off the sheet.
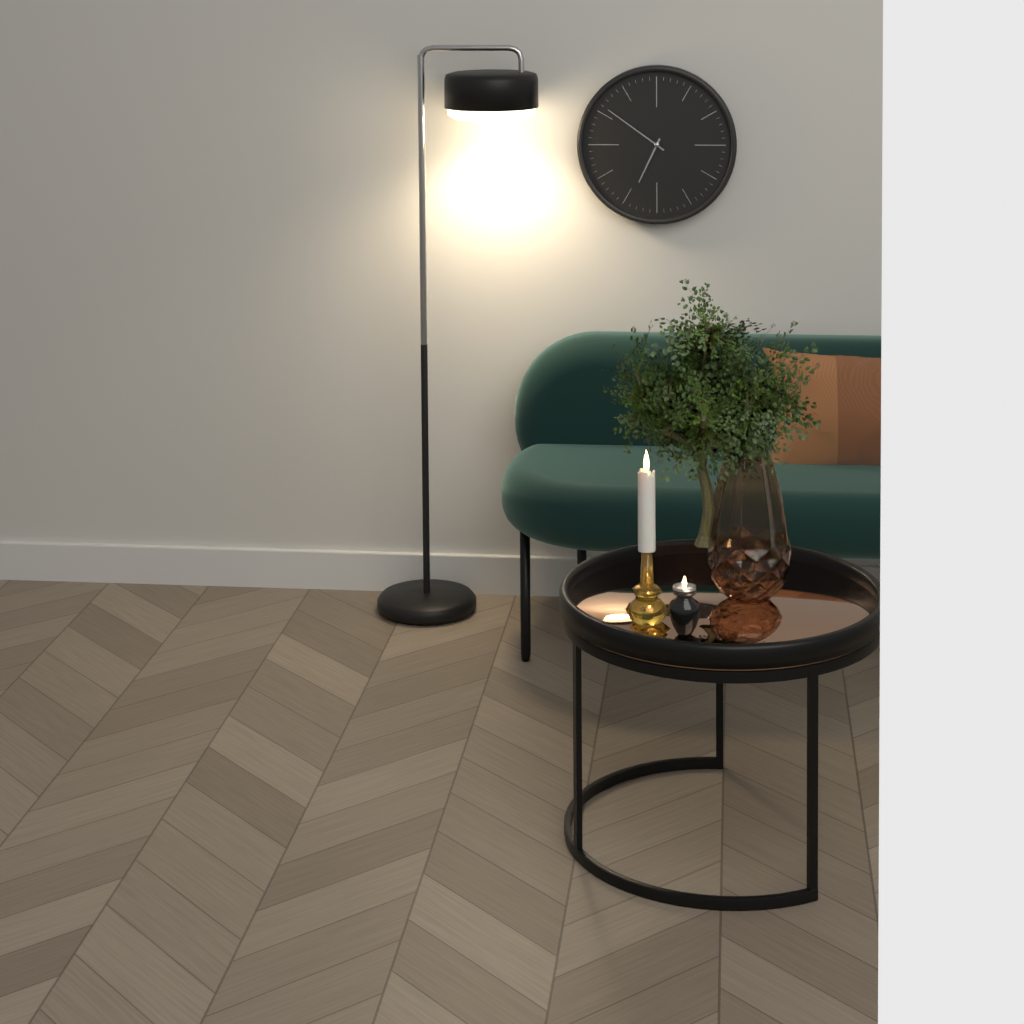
6:51
